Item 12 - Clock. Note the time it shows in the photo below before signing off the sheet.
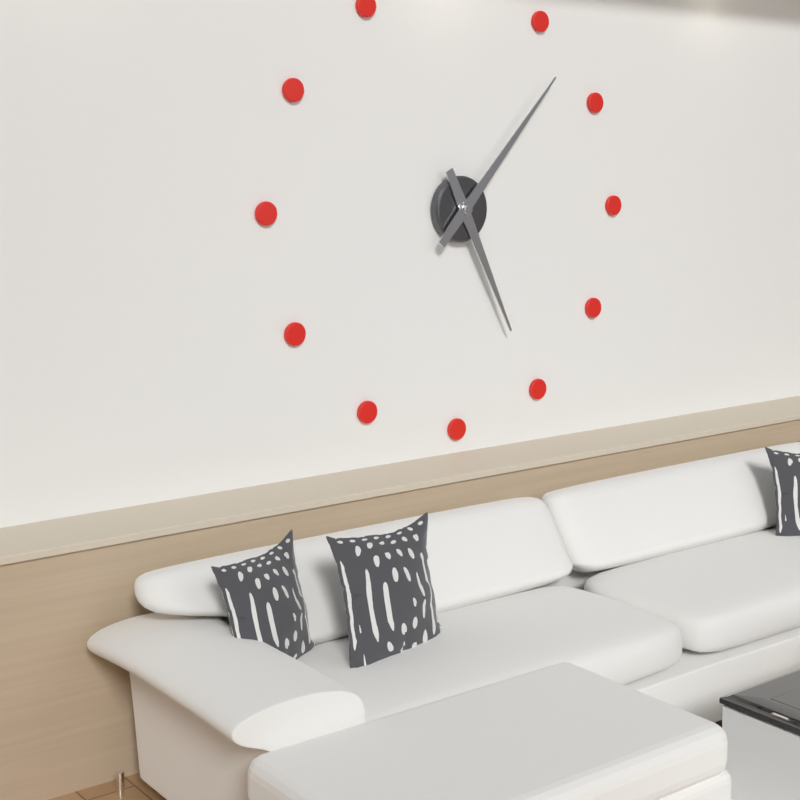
5:07
